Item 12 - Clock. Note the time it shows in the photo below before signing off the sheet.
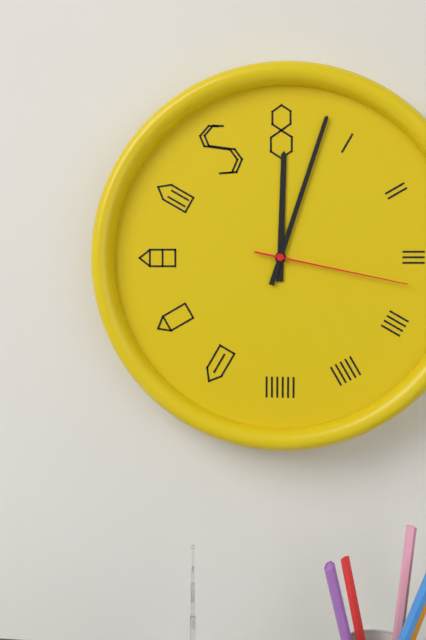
12:03:17
